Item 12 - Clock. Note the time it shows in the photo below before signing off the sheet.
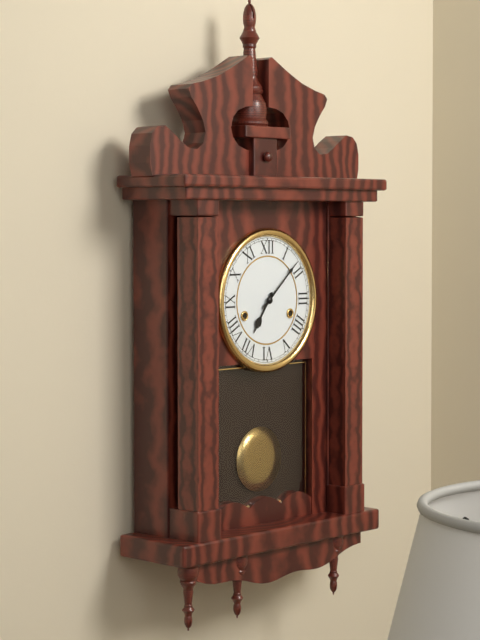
7:08
